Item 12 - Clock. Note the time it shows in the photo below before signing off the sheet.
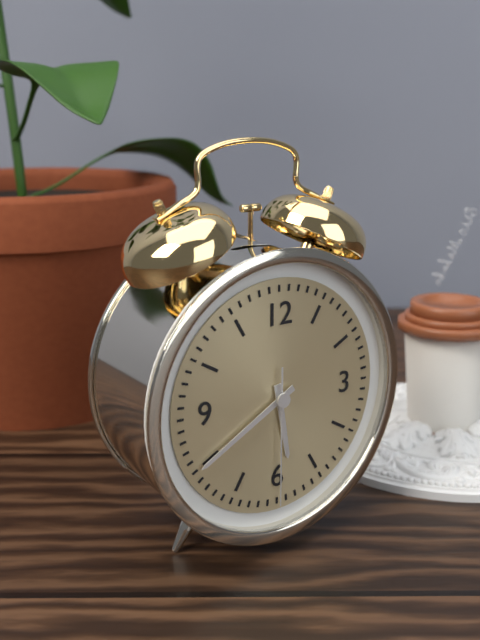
5:40:30
